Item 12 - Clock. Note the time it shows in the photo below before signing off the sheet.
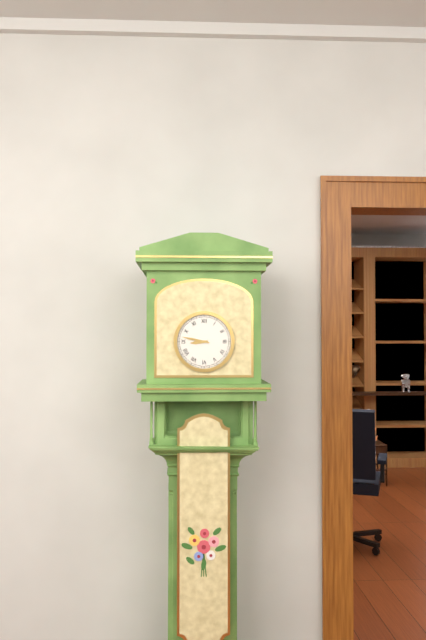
8:47
